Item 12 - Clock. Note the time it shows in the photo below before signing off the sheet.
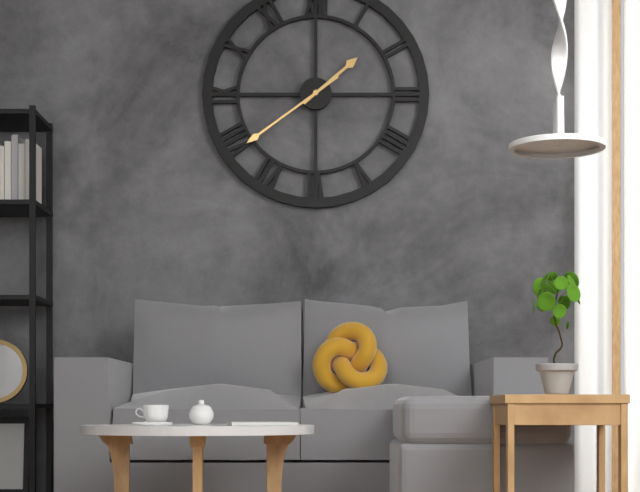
1:39
